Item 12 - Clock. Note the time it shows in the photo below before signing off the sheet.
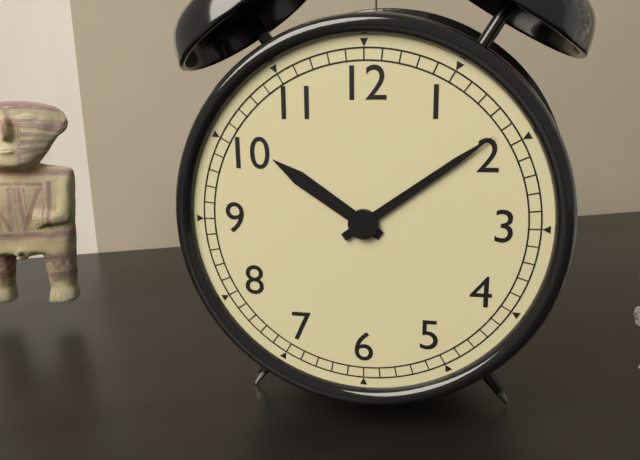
10:09
